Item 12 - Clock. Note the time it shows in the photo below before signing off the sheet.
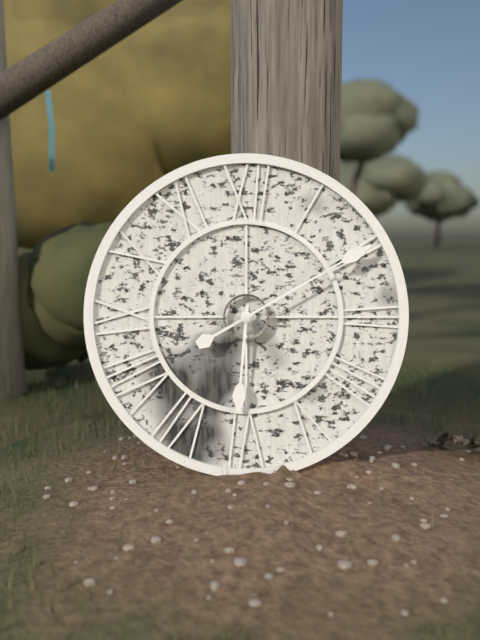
6:10
